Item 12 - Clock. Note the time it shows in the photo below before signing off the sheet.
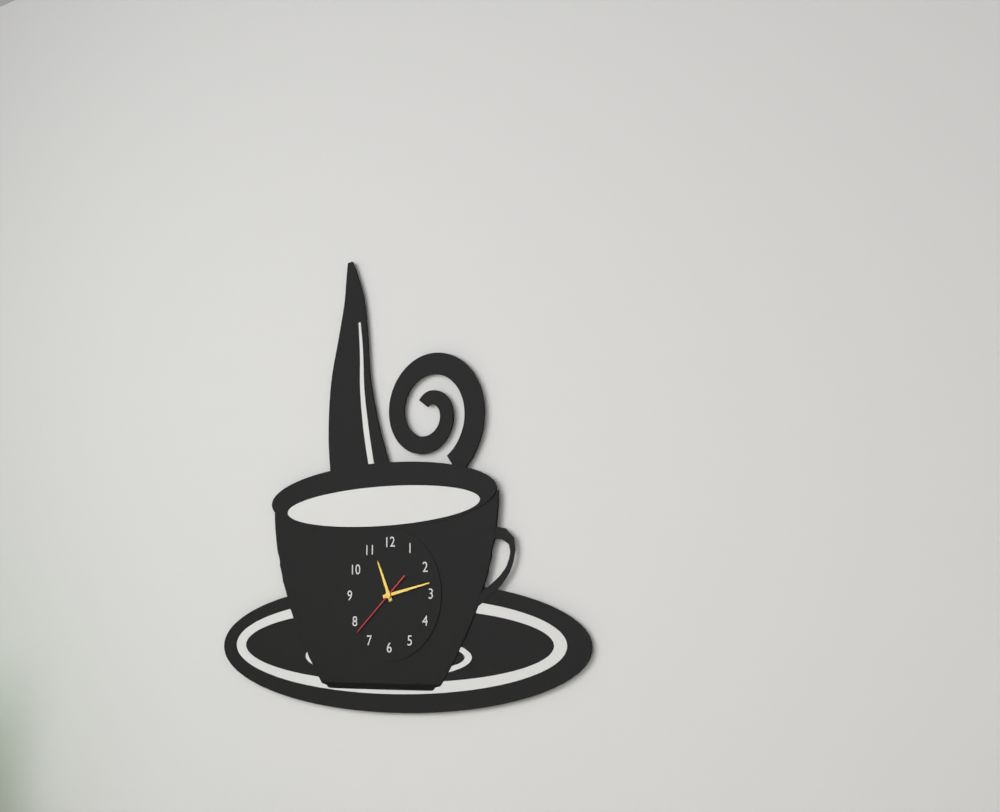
11:13:38
